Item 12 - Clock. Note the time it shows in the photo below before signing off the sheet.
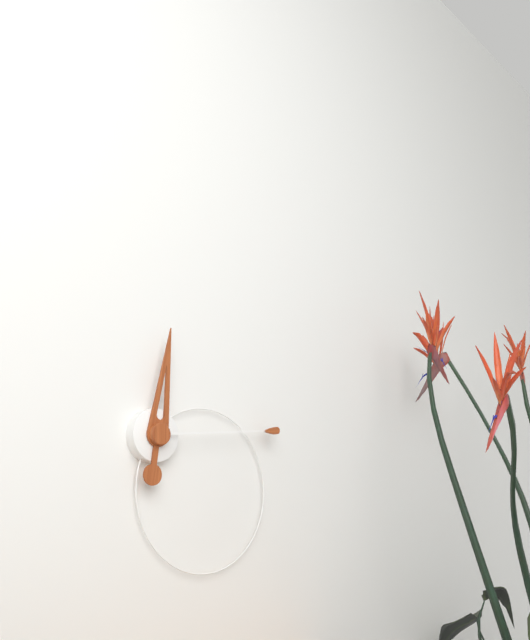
12:14
